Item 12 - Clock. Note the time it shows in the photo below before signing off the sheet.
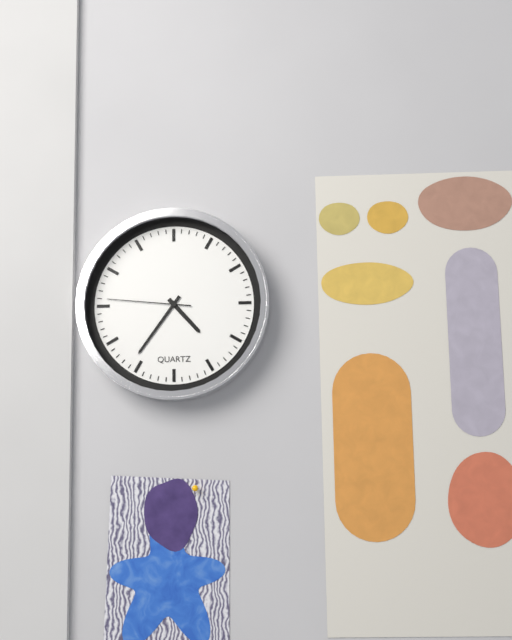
4:36:46
